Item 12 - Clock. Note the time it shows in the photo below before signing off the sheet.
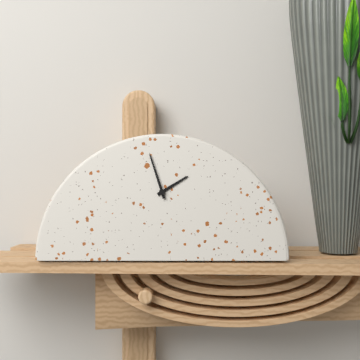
1:57
